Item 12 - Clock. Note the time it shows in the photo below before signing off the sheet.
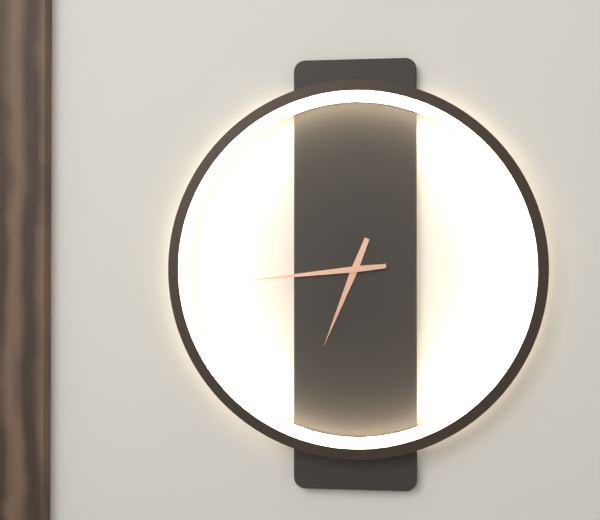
6:44
